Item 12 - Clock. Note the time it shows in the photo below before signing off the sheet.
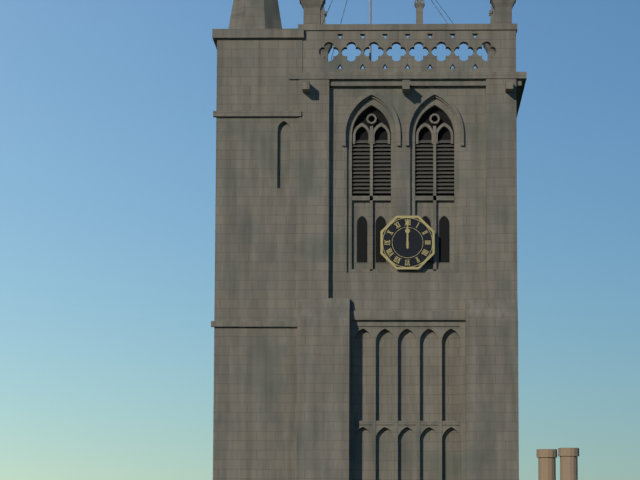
12:00
